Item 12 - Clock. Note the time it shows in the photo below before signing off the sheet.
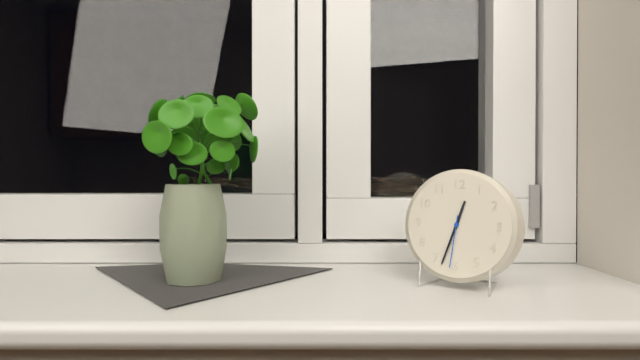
12:33:31
